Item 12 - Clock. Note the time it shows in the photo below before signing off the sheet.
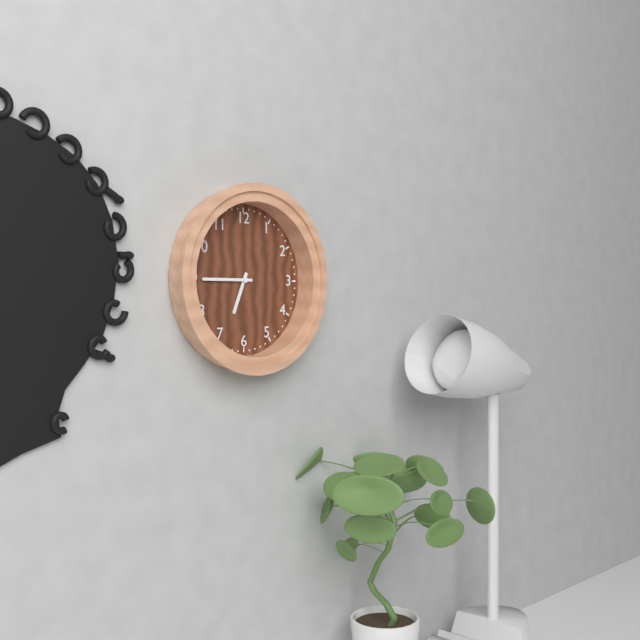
6:45
